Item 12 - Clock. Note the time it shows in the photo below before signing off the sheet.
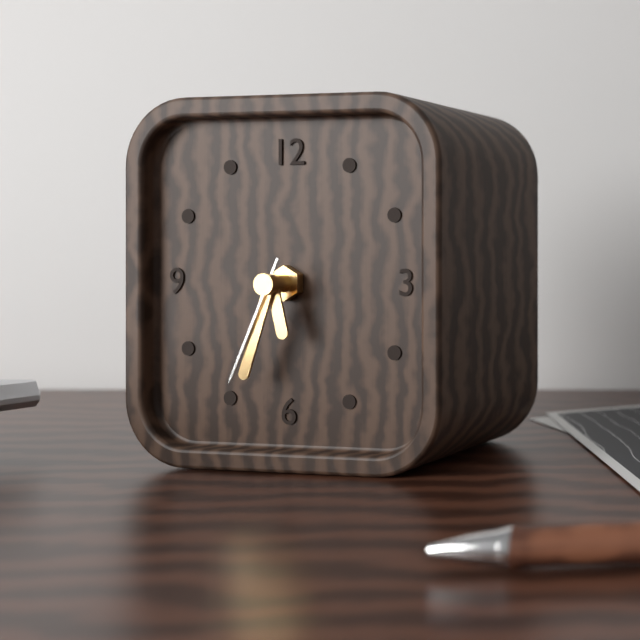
5:33:34
